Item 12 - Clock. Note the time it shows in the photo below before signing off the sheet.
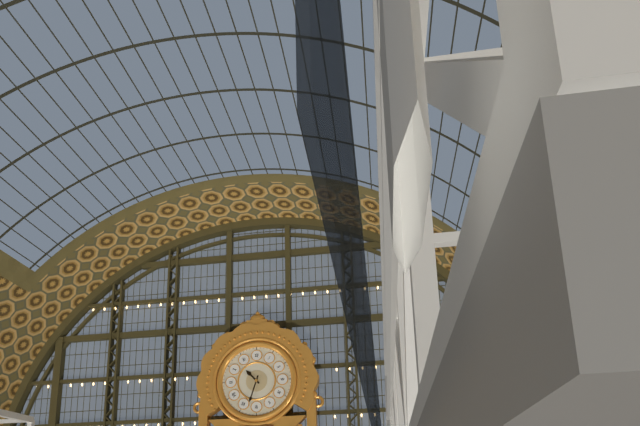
10:33
